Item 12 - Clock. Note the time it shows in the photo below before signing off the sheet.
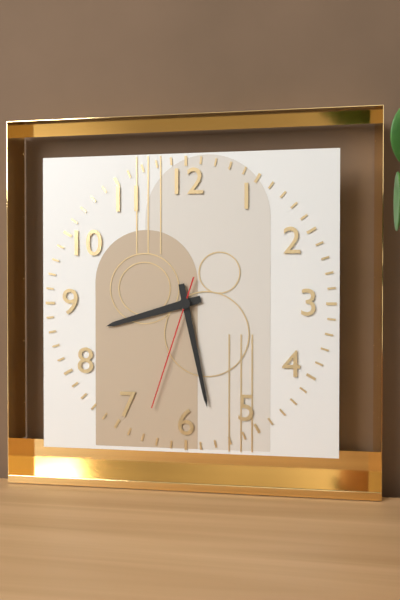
8:28:33
